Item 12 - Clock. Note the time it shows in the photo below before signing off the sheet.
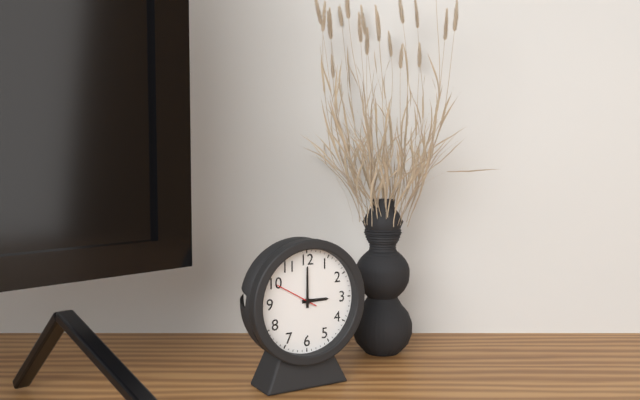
3:00
